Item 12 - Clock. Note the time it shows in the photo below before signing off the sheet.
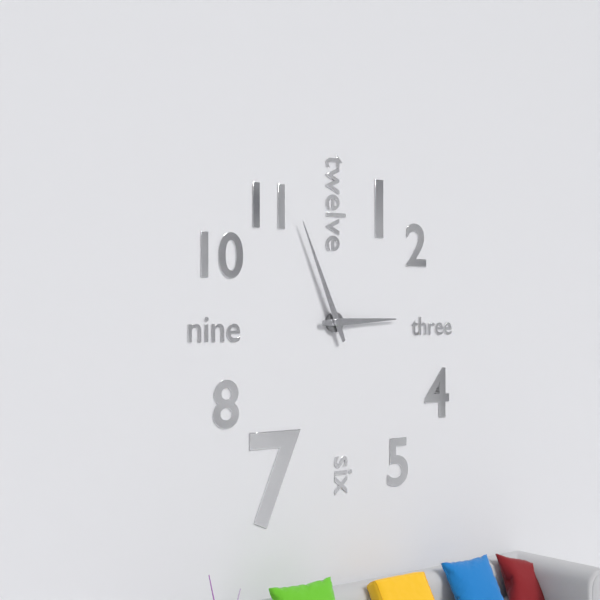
2:56
